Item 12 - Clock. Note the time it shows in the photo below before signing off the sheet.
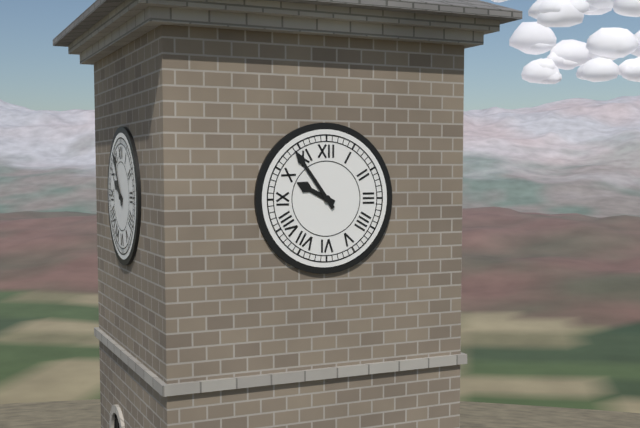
9:54
